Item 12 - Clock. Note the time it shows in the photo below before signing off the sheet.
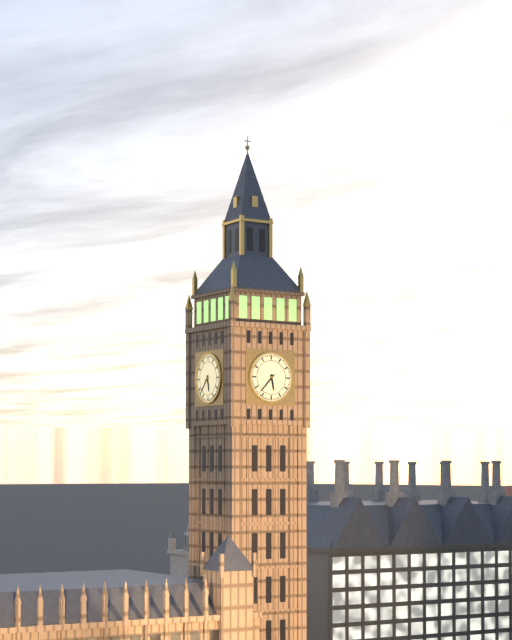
5:37
